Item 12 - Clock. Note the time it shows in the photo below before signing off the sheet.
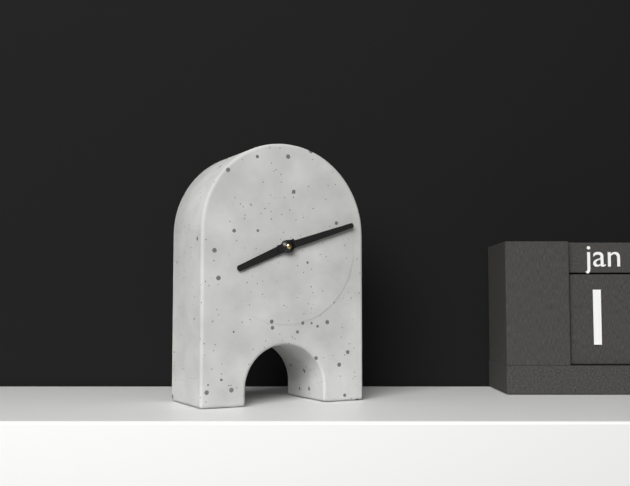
8:12
